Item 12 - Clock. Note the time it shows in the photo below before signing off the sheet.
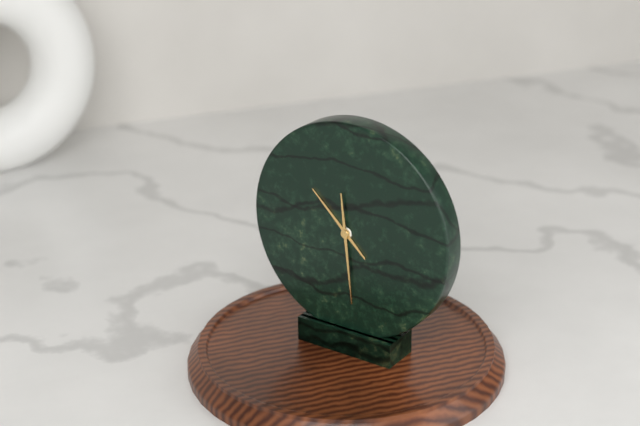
10:29
